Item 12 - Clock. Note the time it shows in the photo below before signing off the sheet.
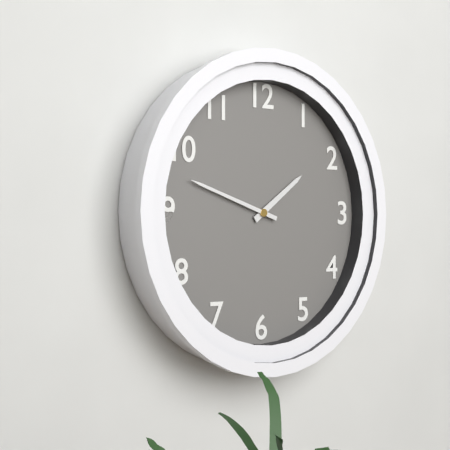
1:48
